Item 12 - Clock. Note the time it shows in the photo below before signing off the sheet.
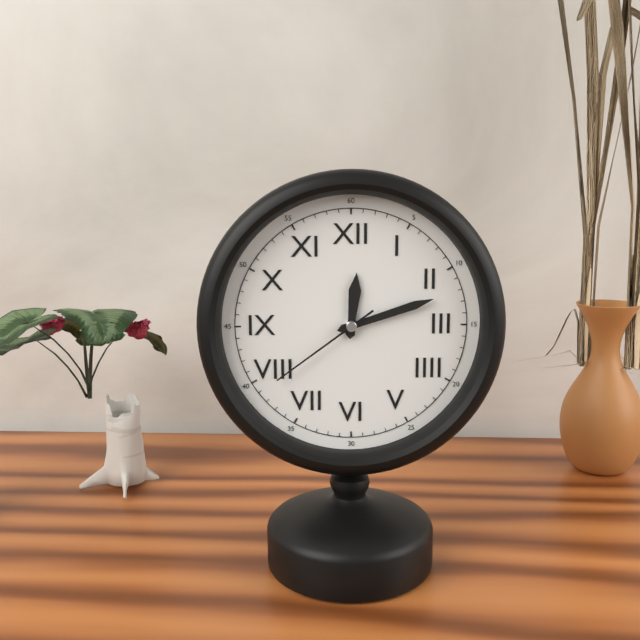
12:12:39
